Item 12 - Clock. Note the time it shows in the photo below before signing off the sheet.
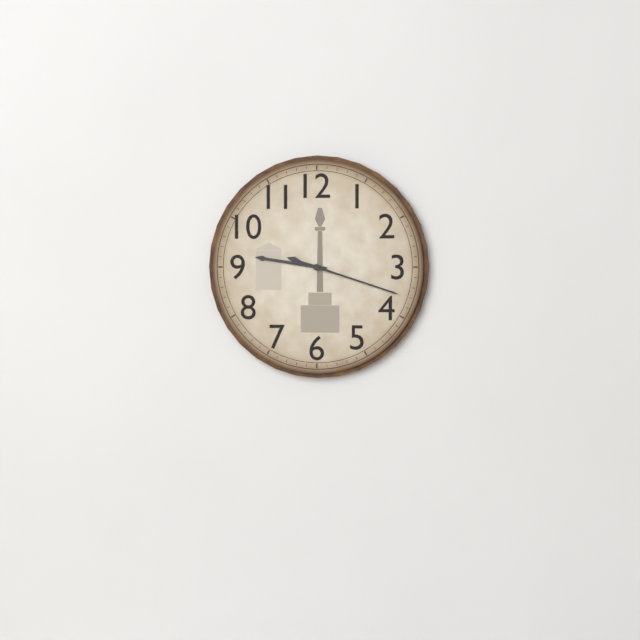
9:18
